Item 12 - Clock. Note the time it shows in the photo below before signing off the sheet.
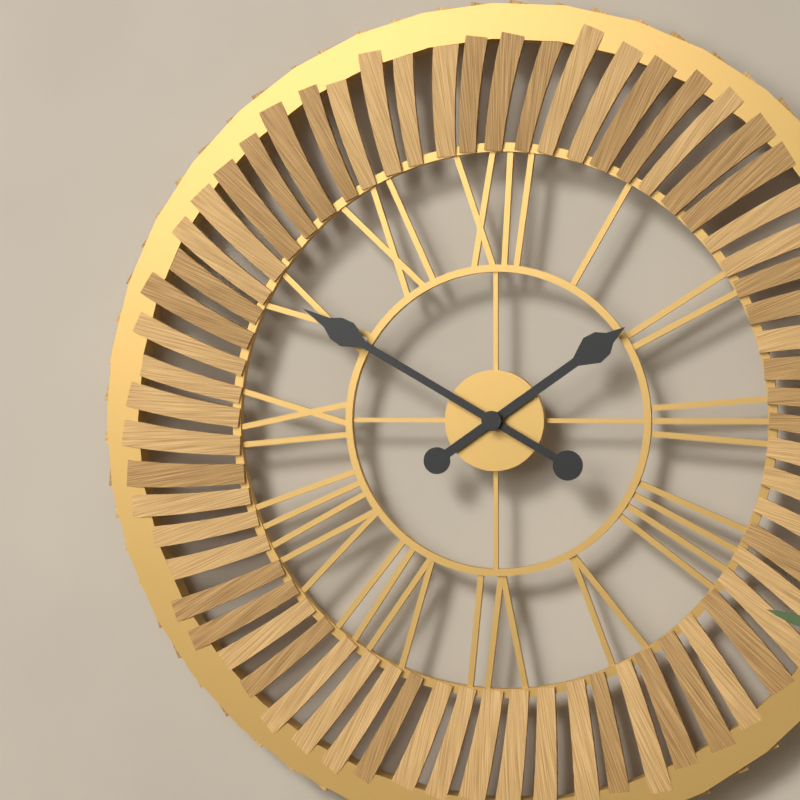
1:50
